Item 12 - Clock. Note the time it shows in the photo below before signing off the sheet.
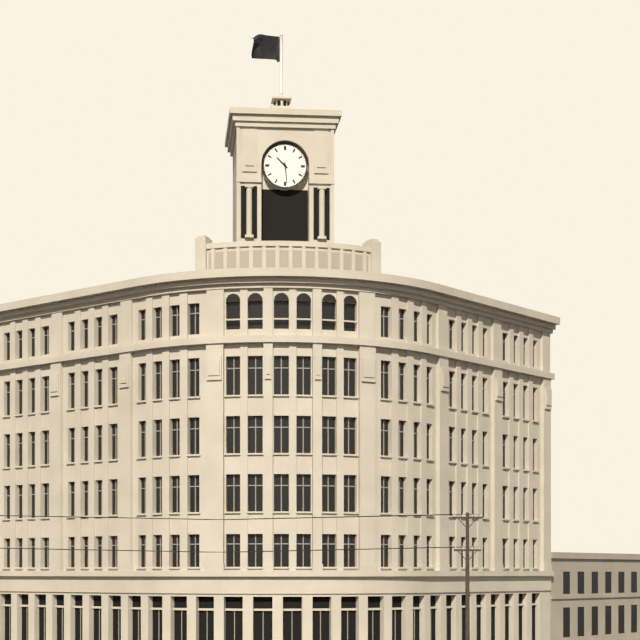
10:29
